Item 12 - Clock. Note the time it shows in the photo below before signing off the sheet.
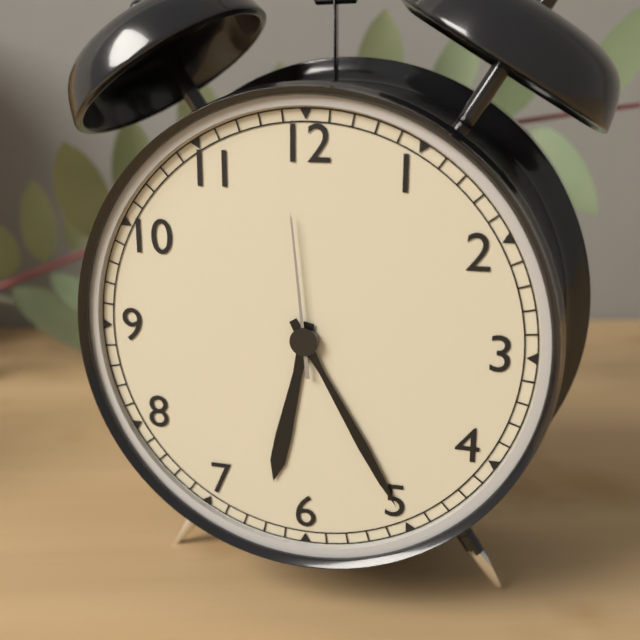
6:25:59
